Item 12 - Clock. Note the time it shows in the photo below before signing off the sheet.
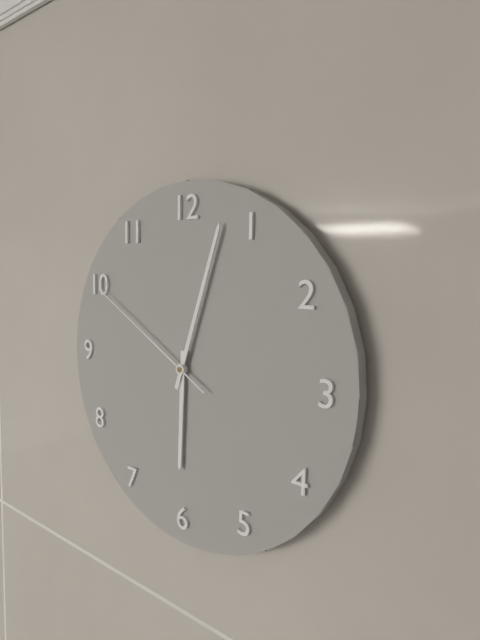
6:03:50
